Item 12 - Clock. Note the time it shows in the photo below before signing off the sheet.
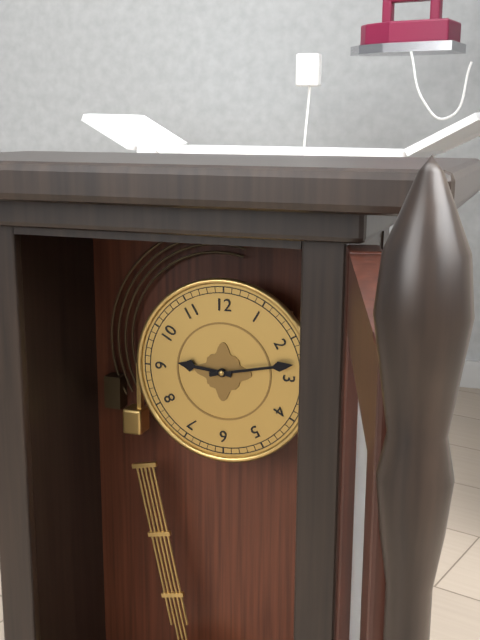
9:13
